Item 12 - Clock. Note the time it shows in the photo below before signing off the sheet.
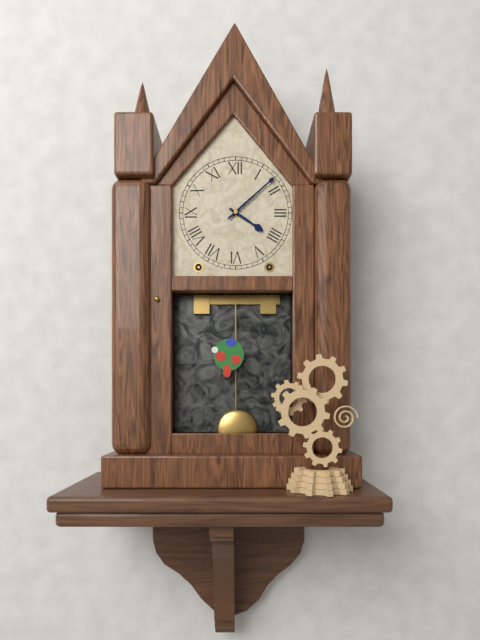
4:08
